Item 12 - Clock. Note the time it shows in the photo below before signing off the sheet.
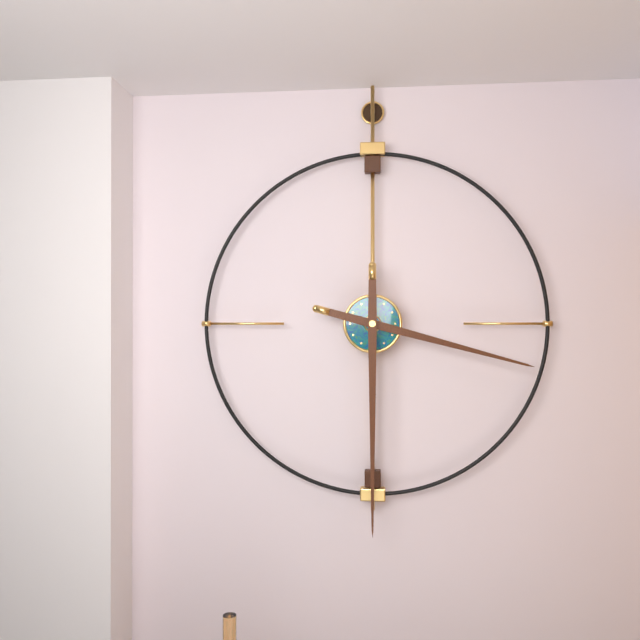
3:30
